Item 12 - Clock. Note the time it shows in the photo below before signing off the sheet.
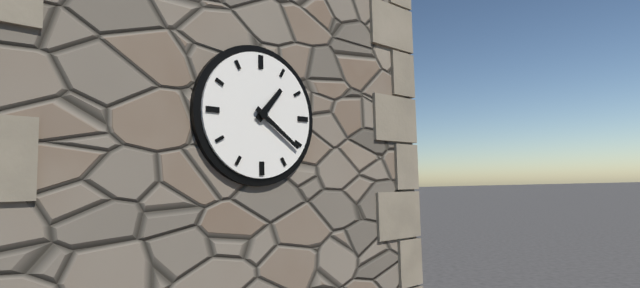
1:21
